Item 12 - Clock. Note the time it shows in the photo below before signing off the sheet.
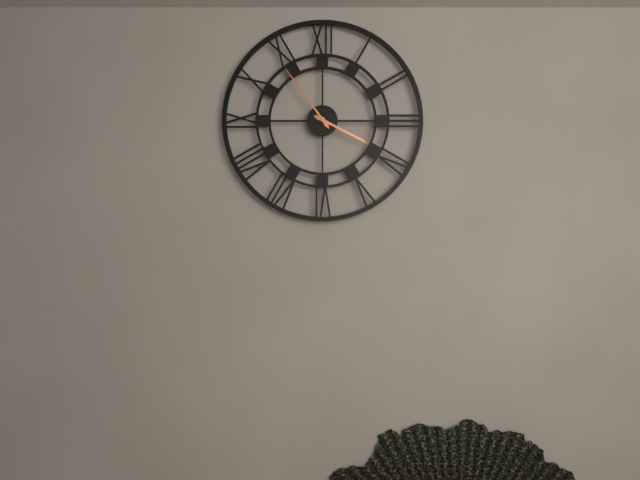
3:54
